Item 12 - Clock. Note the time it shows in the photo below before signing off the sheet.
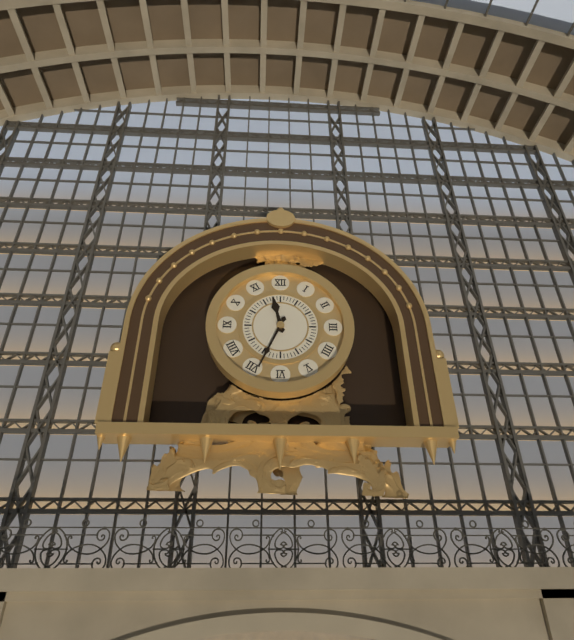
11:34
